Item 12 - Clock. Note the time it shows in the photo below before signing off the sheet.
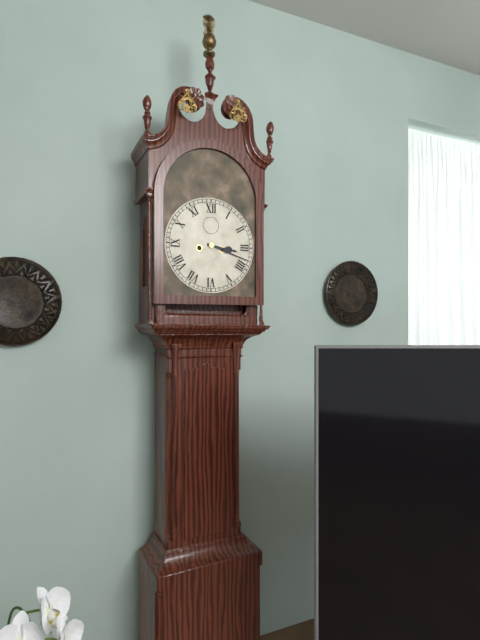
3:18
